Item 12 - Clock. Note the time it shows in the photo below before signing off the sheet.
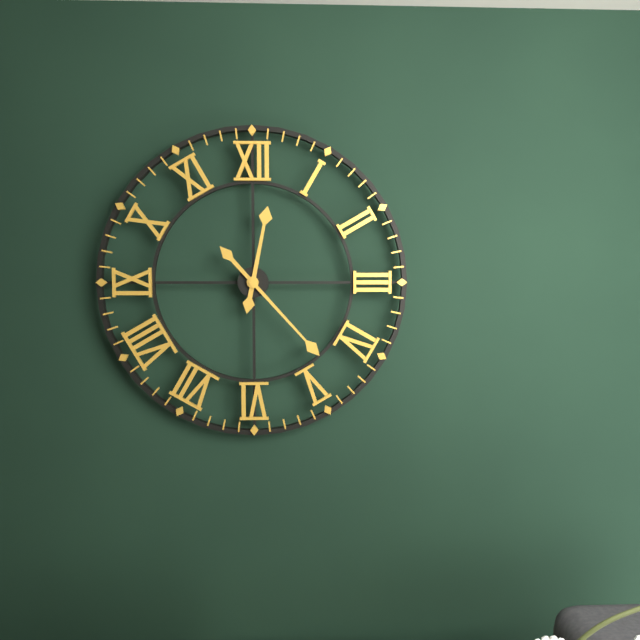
12:23
